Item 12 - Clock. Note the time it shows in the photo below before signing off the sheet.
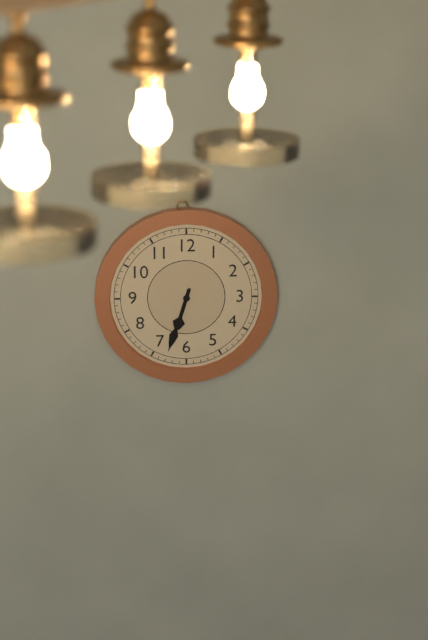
6:33
